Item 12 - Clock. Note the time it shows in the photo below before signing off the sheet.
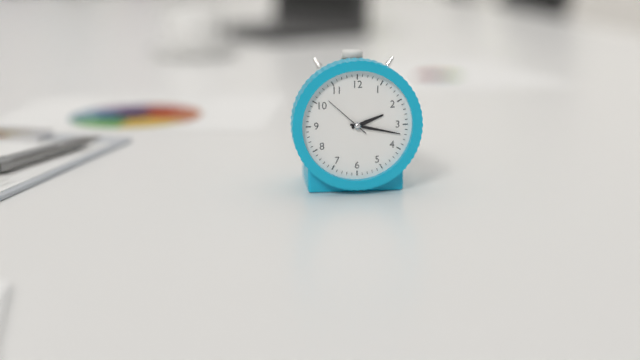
2:17
